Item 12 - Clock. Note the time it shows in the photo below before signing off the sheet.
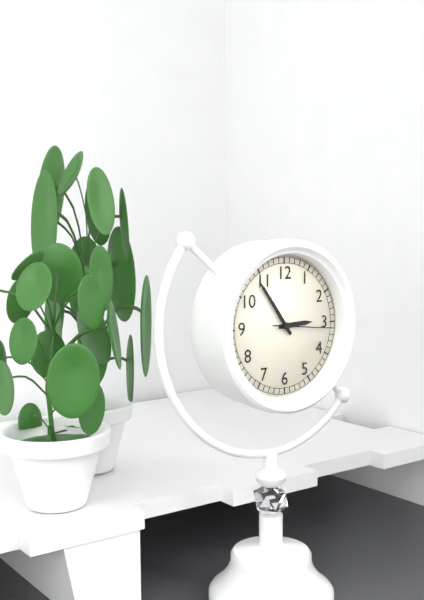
2:54:16
